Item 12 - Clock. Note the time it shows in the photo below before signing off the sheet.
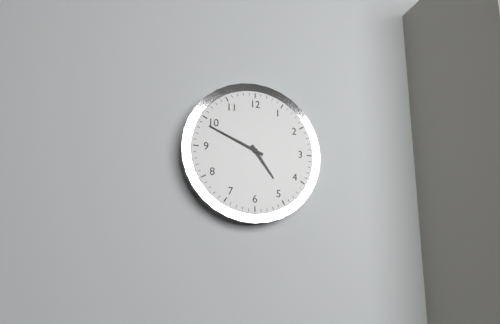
4:49
